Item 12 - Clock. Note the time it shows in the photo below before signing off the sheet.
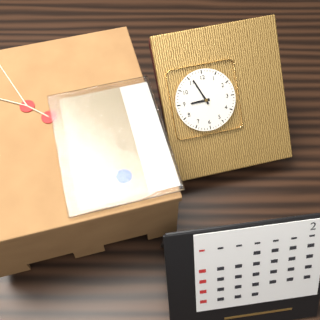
8:56
